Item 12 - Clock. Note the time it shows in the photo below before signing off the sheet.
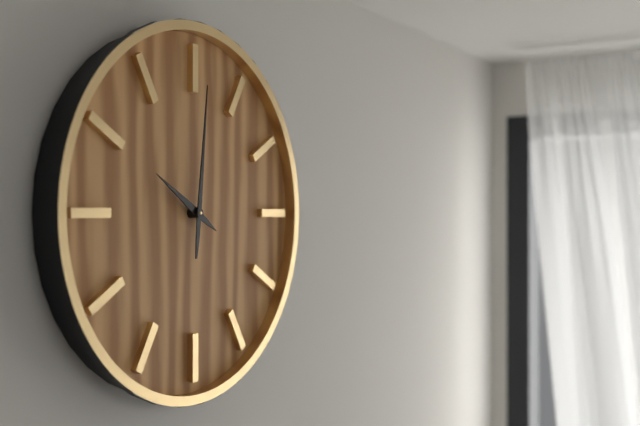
10:01
